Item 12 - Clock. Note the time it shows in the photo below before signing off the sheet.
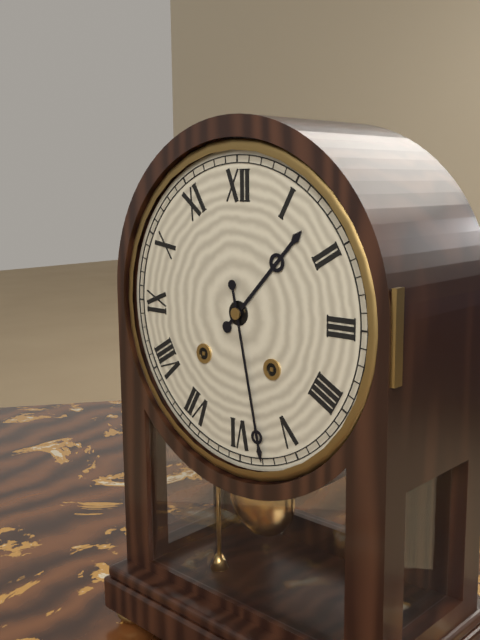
1:28
